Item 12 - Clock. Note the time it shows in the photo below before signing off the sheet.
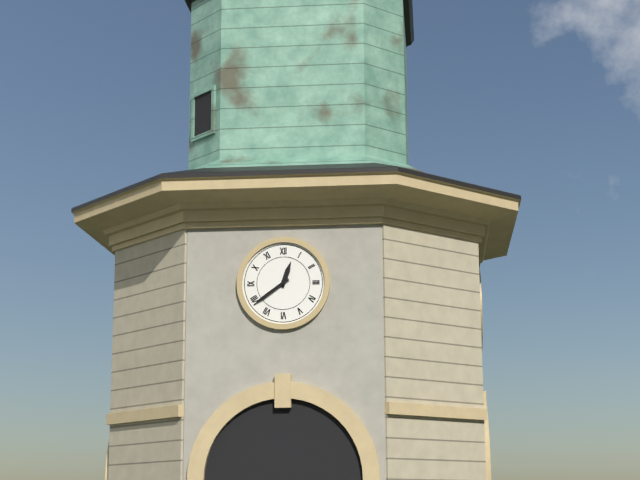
12:39
